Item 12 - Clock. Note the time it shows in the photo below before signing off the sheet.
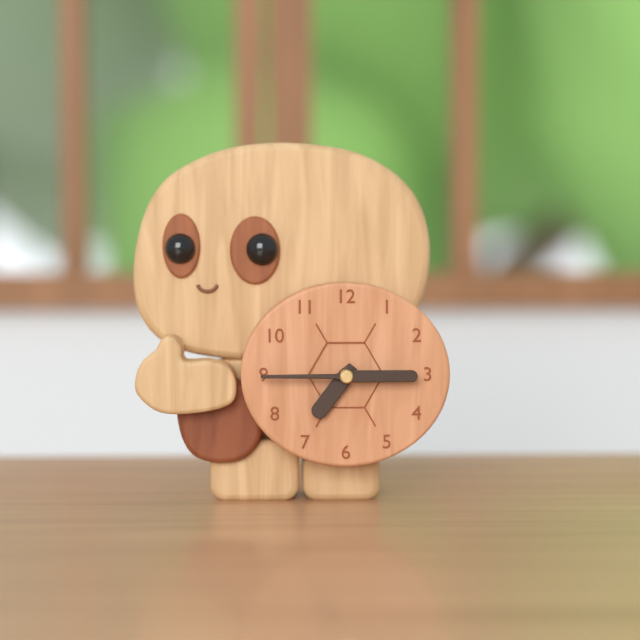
7:15
